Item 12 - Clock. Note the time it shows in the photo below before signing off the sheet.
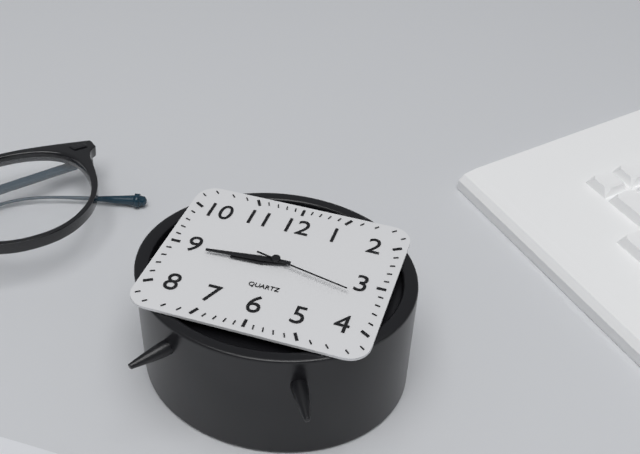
8:44:17
